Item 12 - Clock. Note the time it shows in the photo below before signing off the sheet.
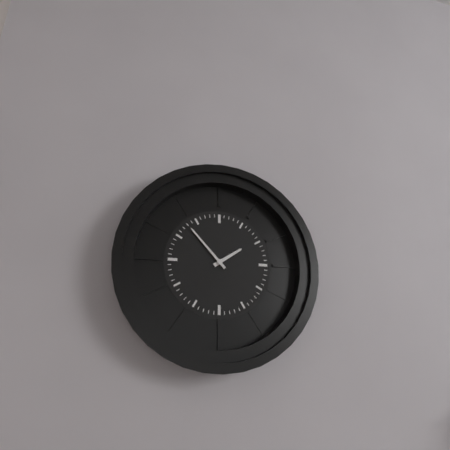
1:53
